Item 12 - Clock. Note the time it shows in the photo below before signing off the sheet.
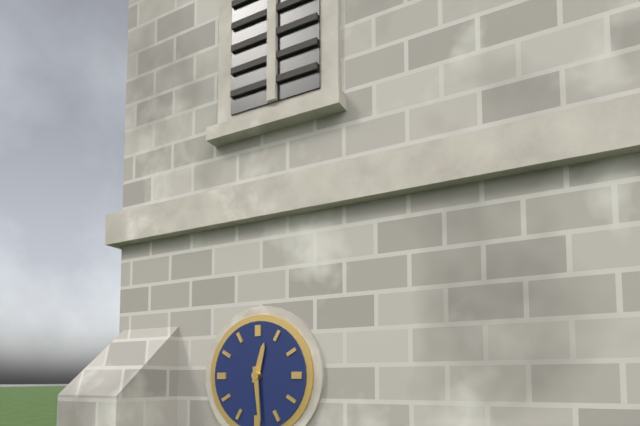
12:29
